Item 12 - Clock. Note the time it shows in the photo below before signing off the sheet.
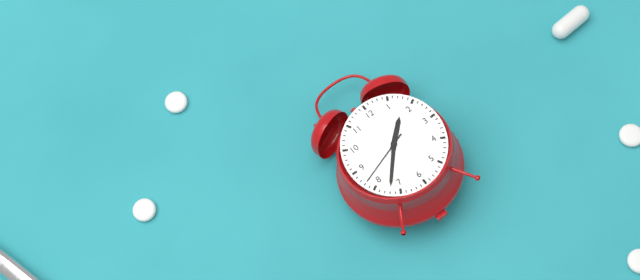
1:37:42
